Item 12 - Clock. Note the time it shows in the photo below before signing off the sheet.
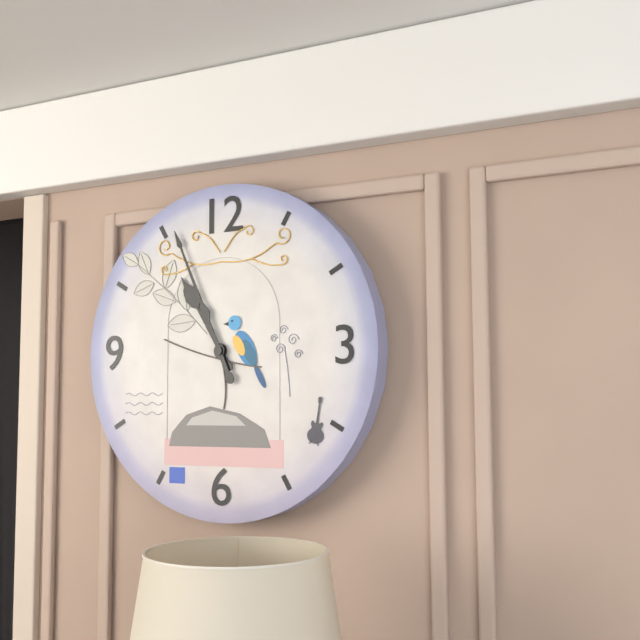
10:56
